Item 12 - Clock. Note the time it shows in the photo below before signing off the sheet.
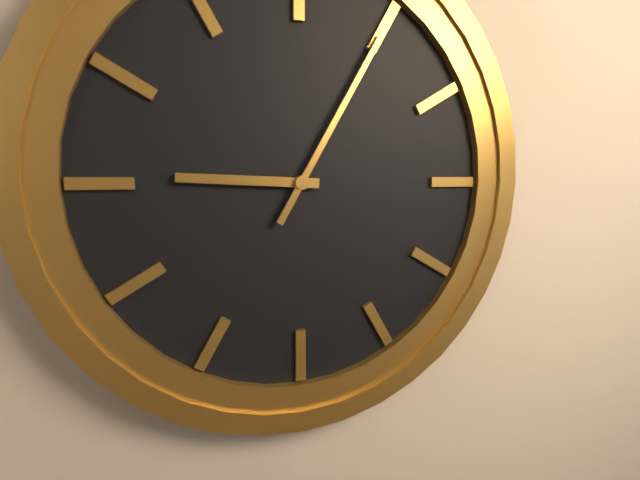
9:05
